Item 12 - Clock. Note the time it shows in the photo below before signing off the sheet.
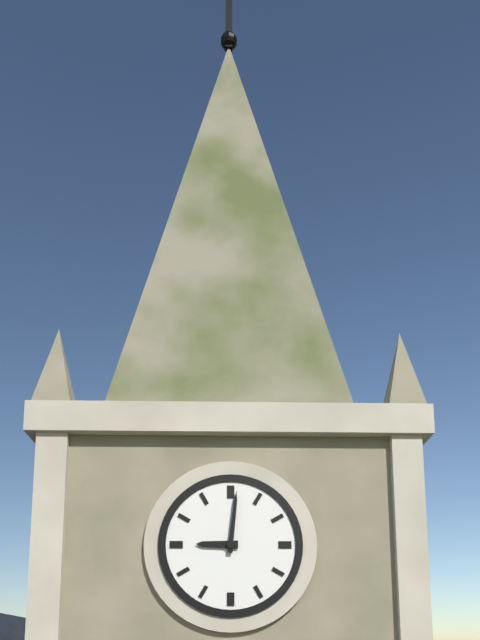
9:01
